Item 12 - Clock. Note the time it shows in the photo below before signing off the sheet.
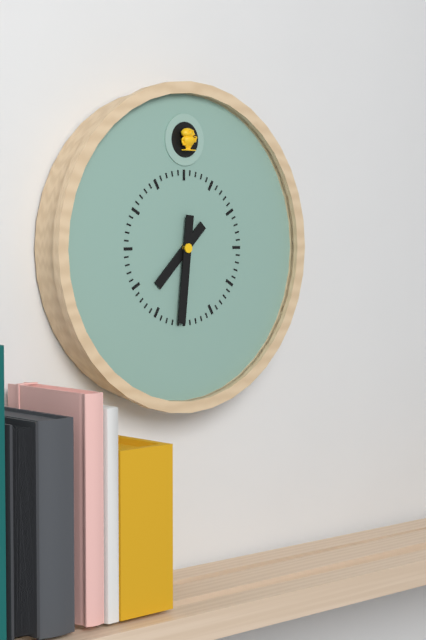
7:31
